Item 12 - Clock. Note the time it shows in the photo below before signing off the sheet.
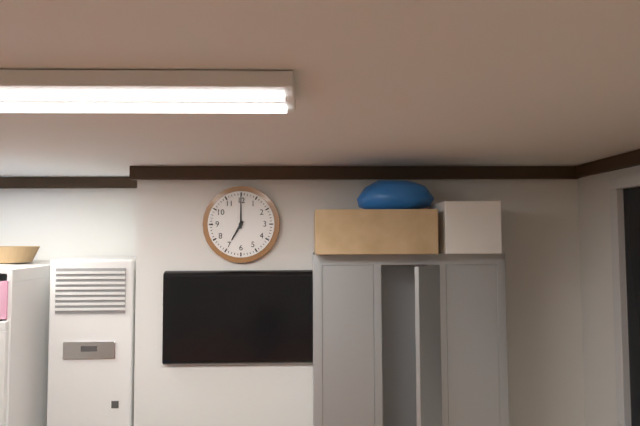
7:00
